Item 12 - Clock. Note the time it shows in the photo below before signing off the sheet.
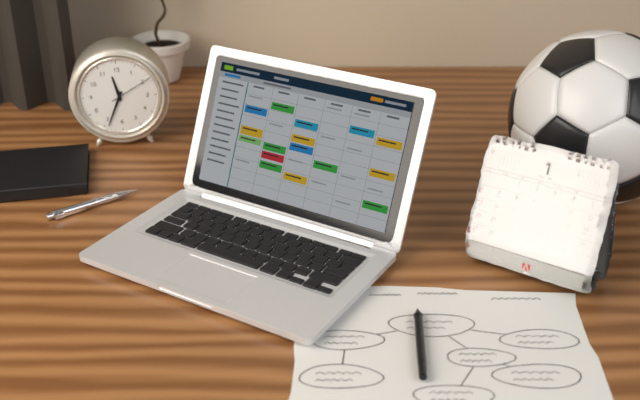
11:34
